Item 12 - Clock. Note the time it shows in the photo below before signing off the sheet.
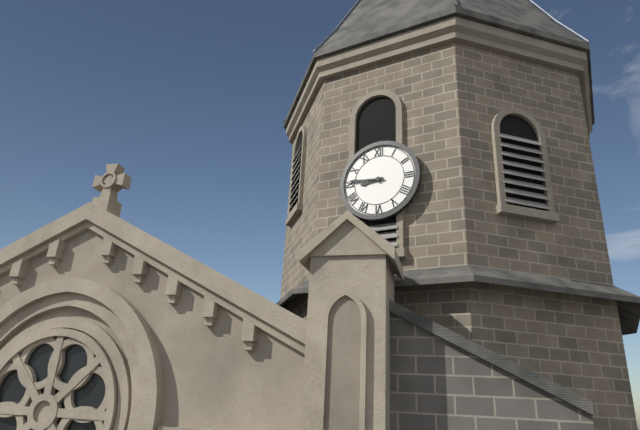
8:46
